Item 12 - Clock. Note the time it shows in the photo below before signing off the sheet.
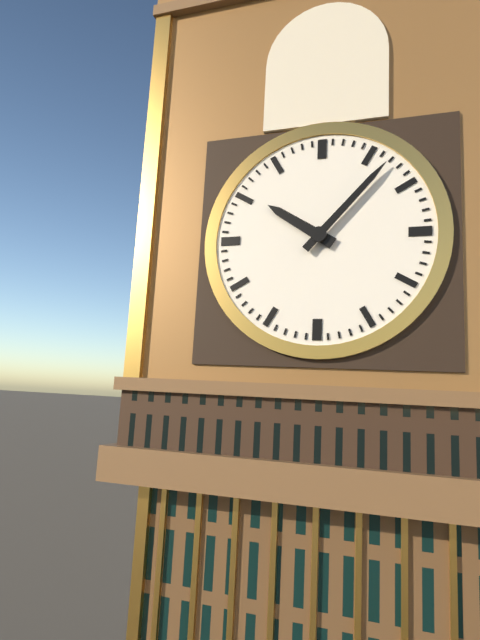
10:07
